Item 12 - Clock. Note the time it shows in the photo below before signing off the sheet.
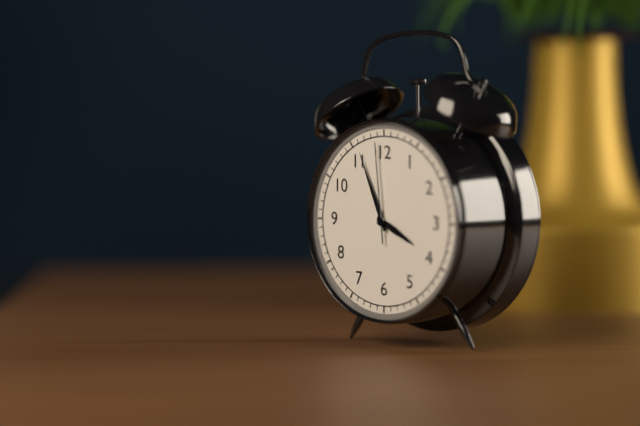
3:56:59
